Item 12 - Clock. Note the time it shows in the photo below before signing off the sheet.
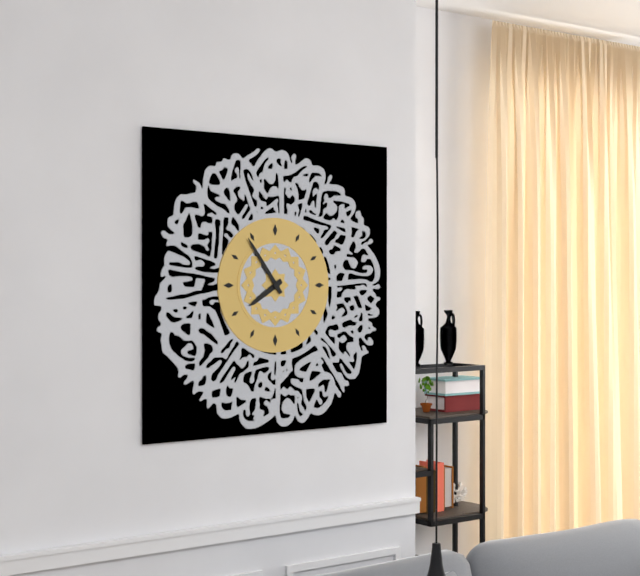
7:54
